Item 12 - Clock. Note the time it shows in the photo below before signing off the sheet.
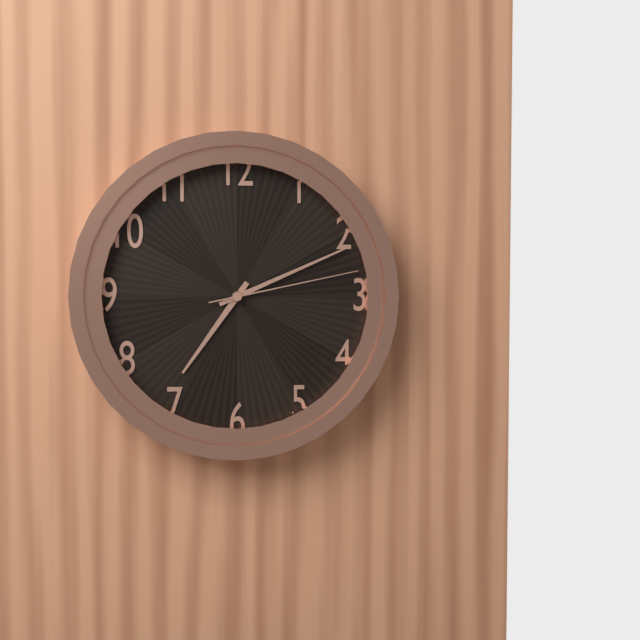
7:11:13
